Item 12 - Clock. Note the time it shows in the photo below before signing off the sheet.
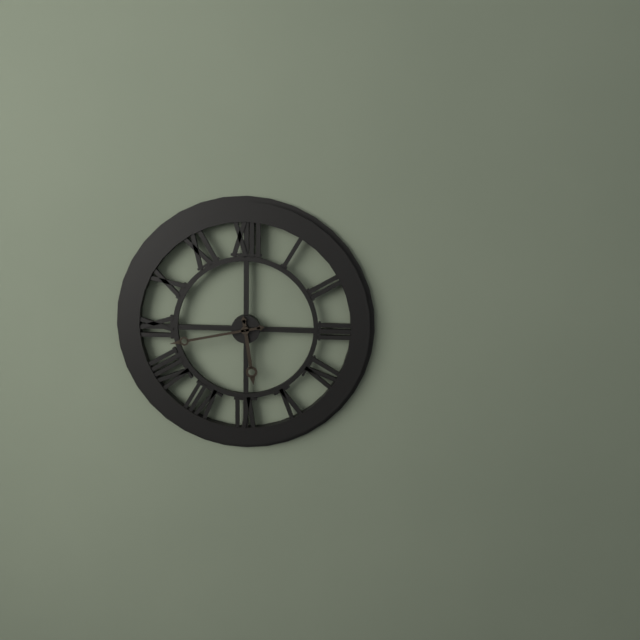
5:43
